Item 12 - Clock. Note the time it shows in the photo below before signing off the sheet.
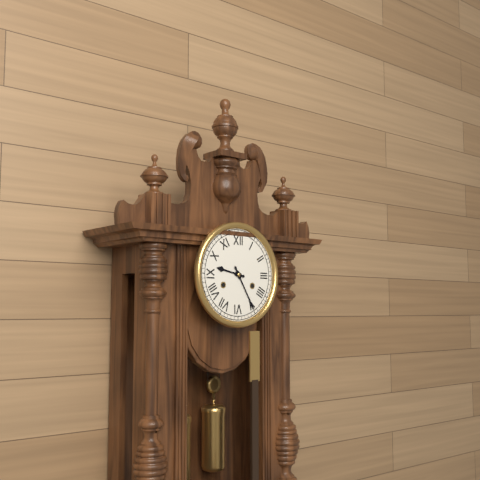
9:25
